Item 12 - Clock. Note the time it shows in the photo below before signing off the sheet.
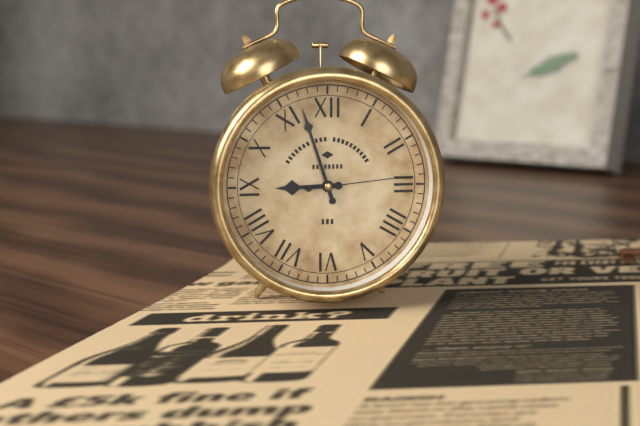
8:57:14
